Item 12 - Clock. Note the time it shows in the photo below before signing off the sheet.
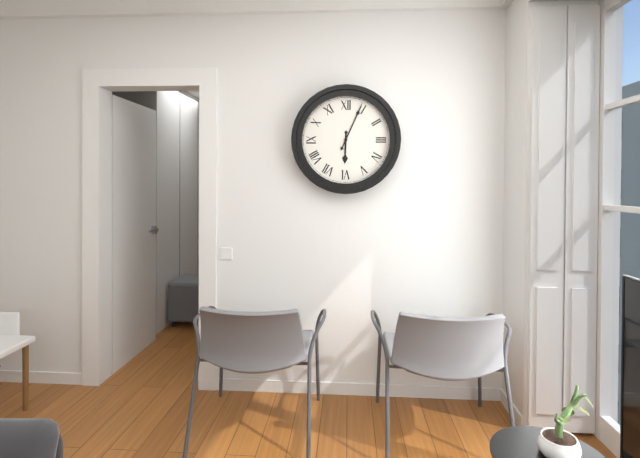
6:04
